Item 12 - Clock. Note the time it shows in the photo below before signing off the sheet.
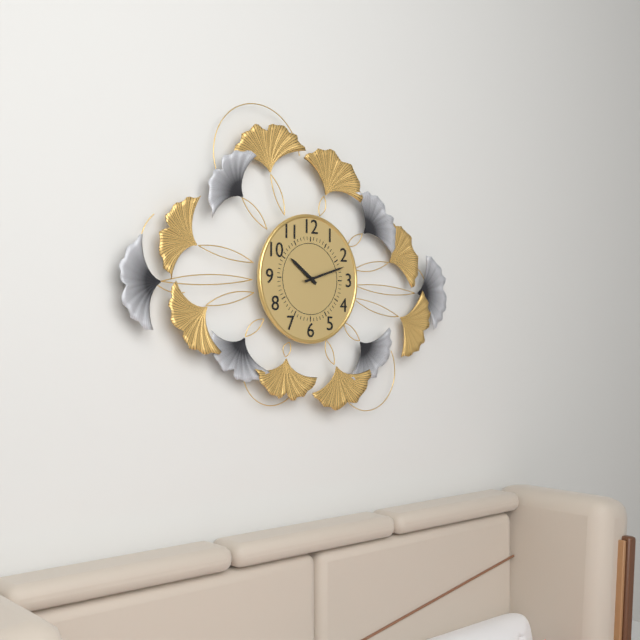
10:12
